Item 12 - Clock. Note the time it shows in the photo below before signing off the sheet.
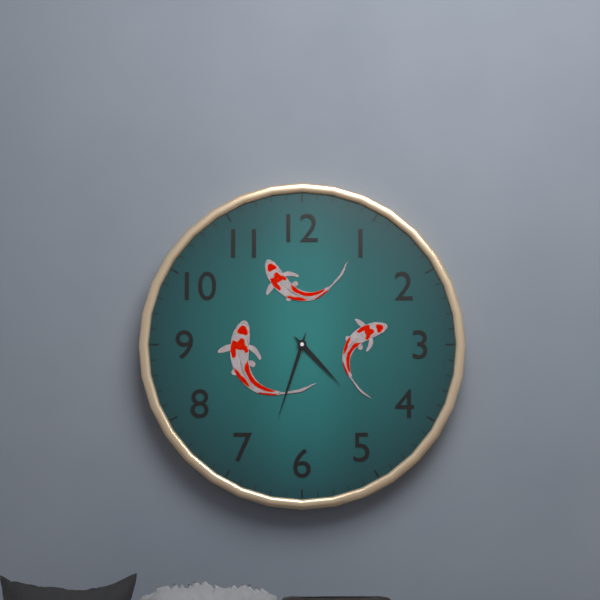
4:33
